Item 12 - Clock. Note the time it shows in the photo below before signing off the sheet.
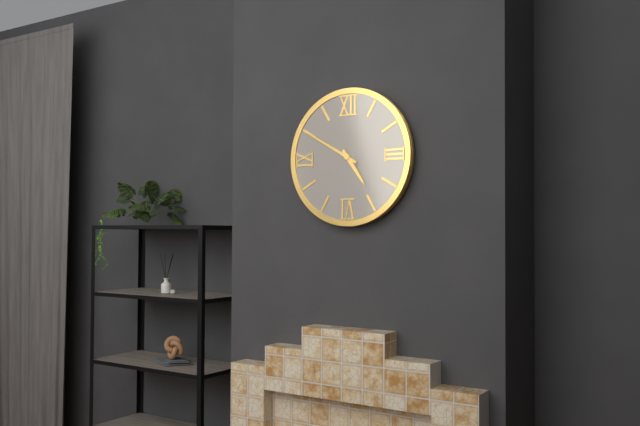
4:50
